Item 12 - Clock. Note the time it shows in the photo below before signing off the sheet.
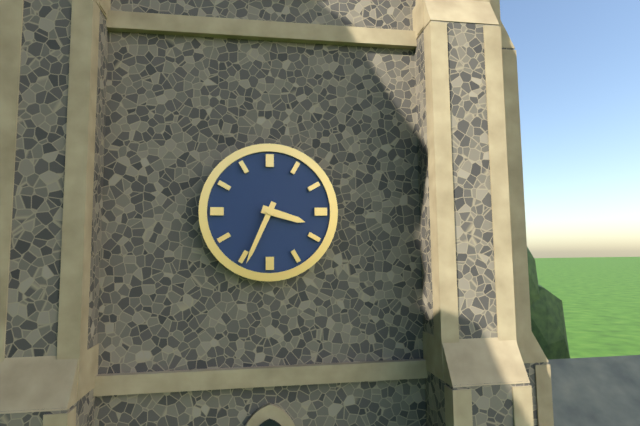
3:34
